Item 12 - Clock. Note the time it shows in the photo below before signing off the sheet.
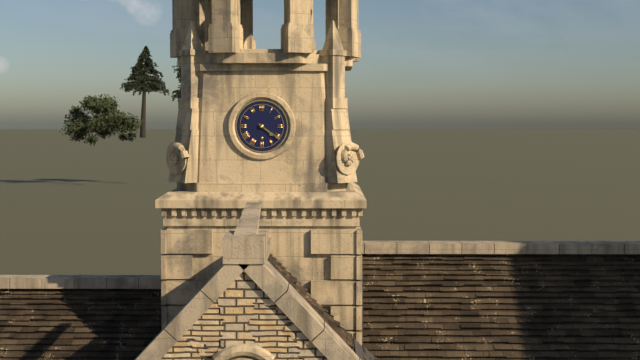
4:21
